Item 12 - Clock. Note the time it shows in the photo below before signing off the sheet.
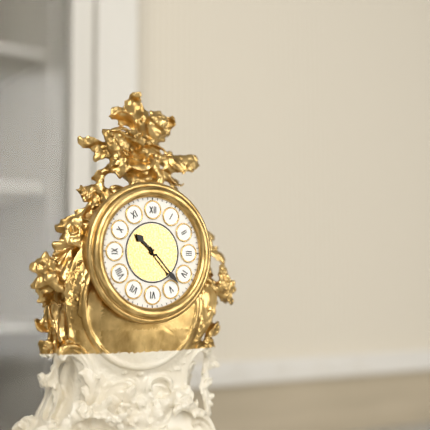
10:23
